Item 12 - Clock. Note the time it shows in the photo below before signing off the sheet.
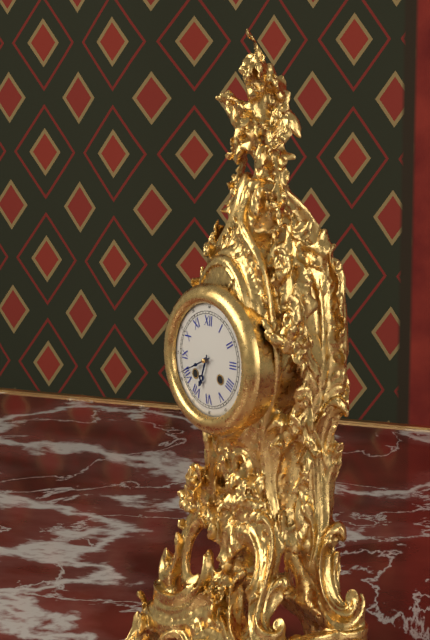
6:41
